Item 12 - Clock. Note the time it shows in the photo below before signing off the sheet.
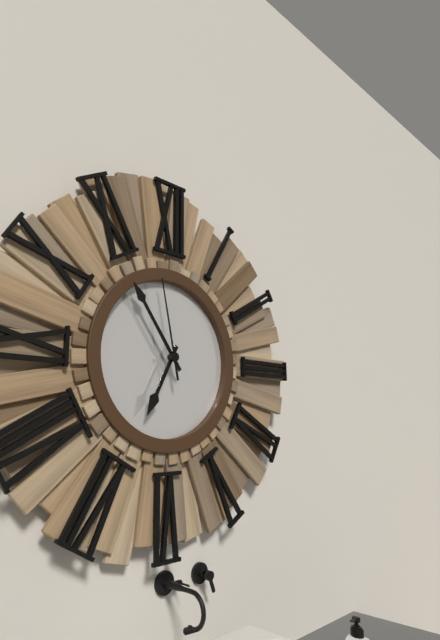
6:54:58
